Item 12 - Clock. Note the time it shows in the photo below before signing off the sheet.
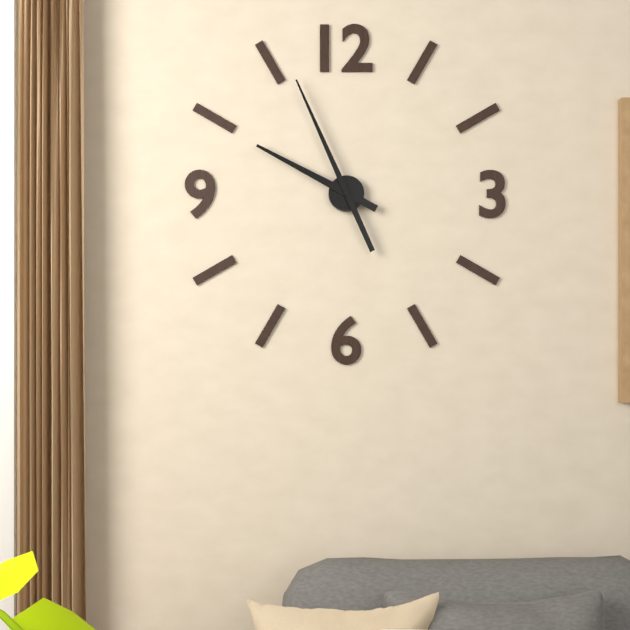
9:56
